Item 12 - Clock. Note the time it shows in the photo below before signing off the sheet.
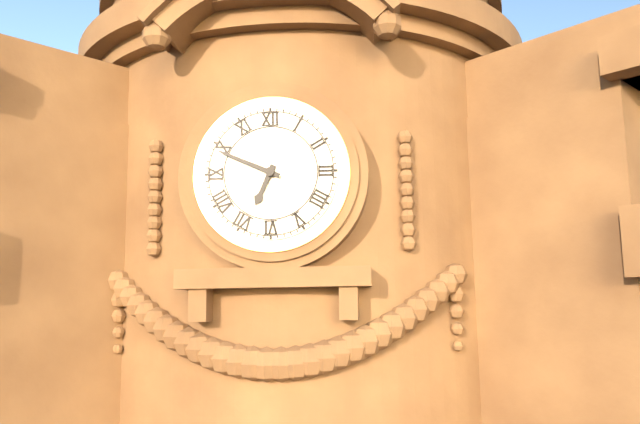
6:49
